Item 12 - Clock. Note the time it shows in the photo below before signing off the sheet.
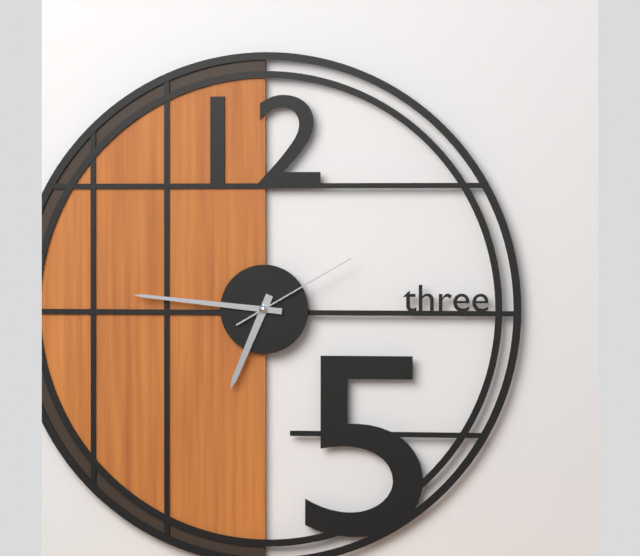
6:46:10
